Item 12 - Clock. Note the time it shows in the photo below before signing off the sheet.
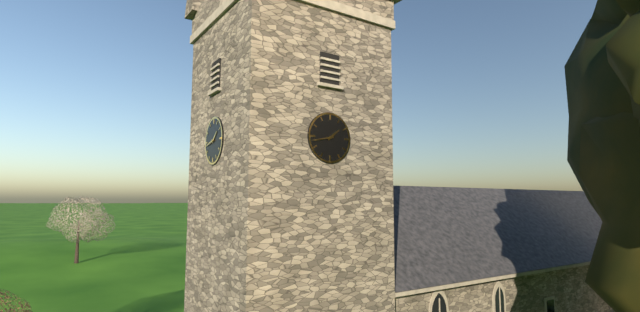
1:43
